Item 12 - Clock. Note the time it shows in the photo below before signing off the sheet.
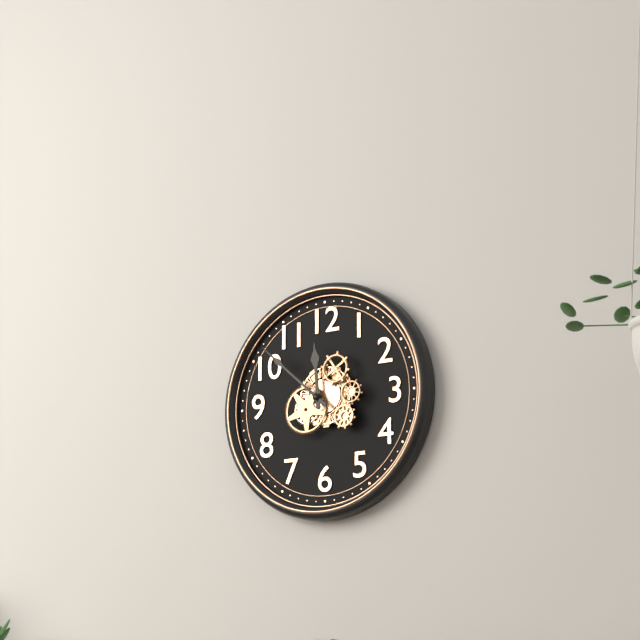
11:52
